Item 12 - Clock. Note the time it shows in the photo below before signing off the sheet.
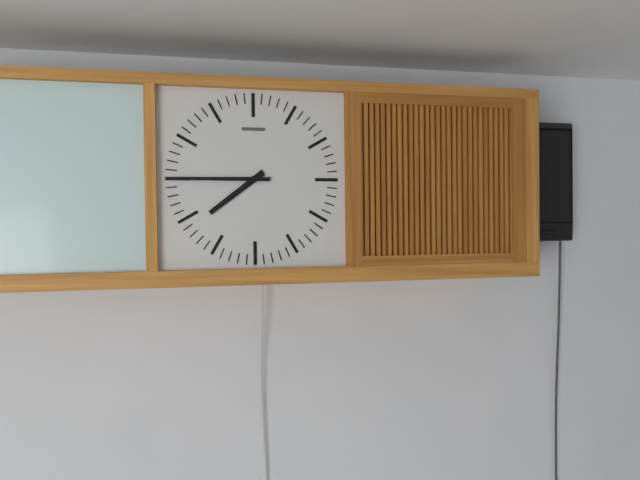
7:45
